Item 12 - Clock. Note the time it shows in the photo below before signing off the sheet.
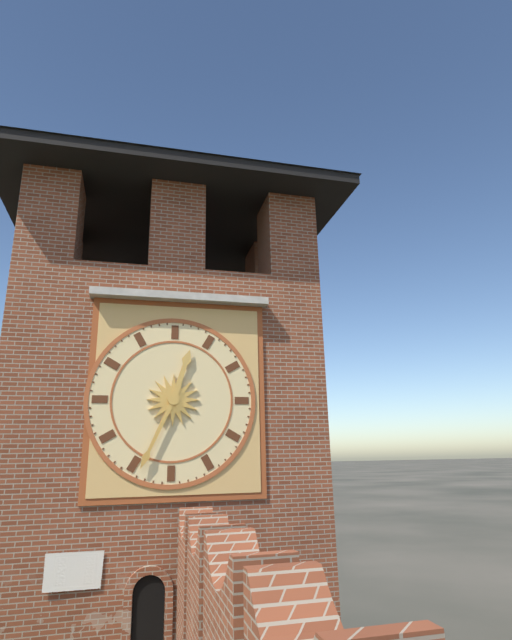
12:34
